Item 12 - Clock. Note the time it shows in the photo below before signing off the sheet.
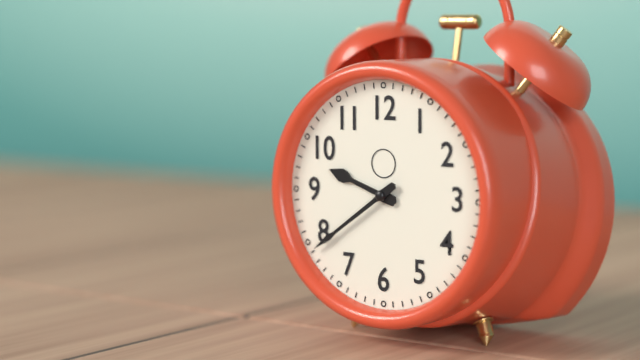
9:39
